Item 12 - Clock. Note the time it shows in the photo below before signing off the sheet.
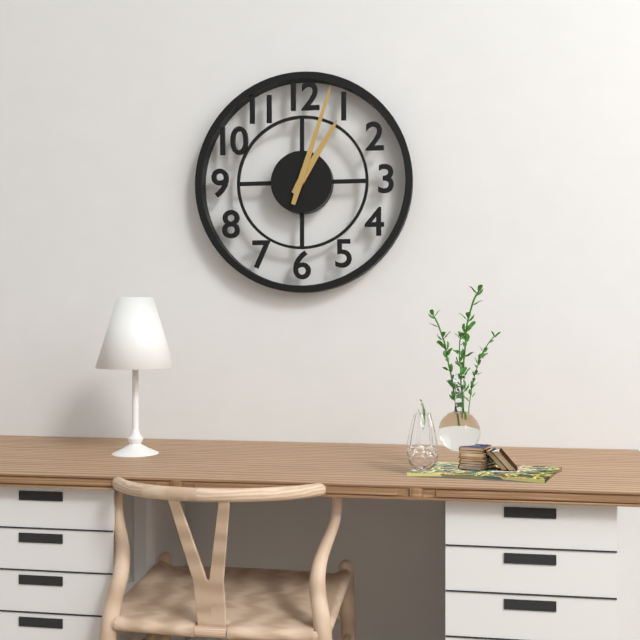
1:03
